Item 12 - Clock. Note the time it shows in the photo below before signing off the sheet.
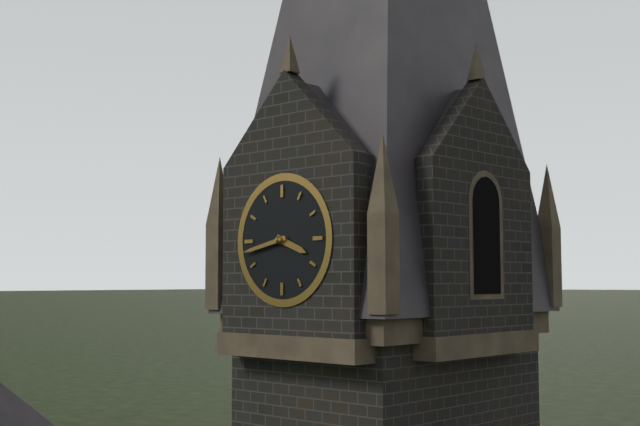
3:43
